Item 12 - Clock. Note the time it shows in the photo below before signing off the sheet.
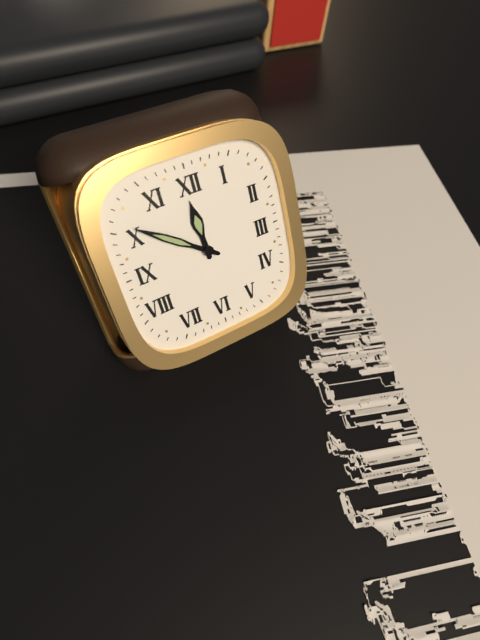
11:51
